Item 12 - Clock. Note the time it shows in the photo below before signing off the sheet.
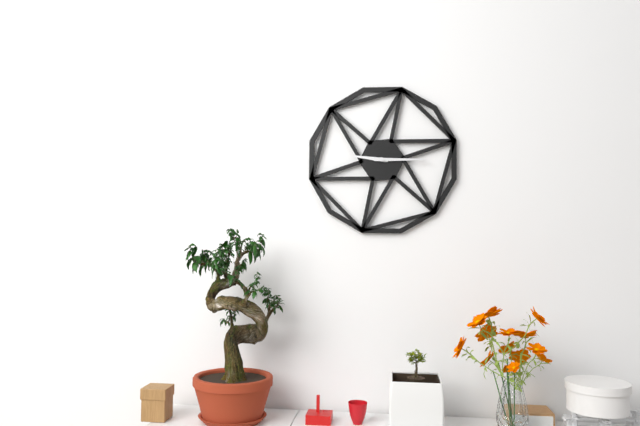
9:15
